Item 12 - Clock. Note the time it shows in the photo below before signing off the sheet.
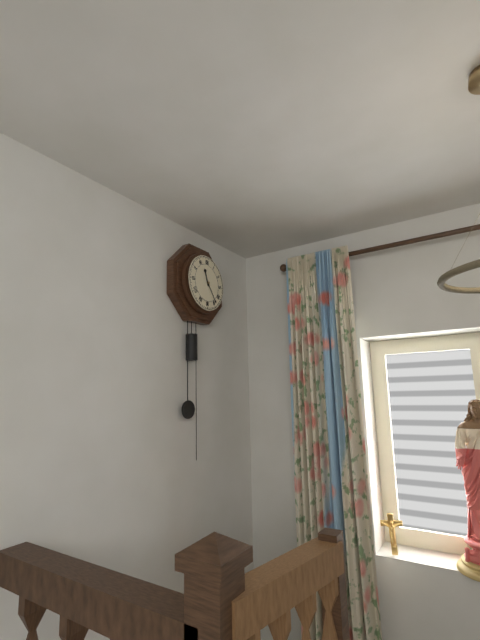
11:24
